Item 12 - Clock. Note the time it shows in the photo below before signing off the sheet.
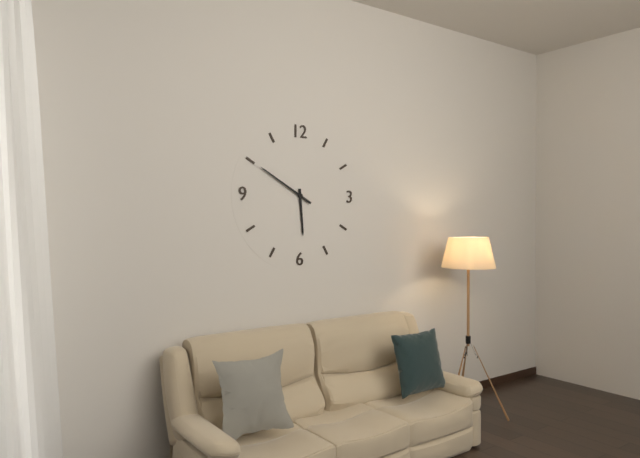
5:50
